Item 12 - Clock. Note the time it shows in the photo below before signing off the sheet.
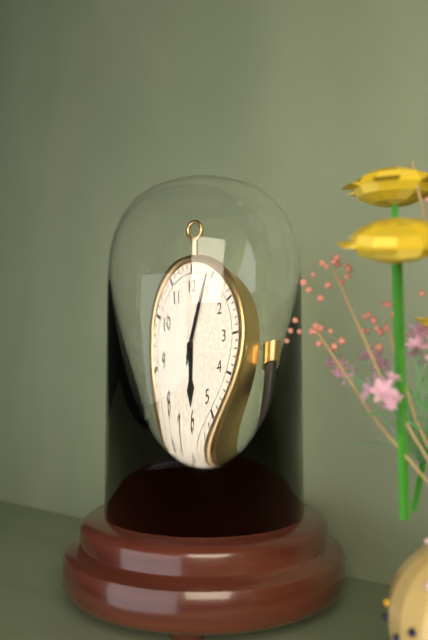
6:04
